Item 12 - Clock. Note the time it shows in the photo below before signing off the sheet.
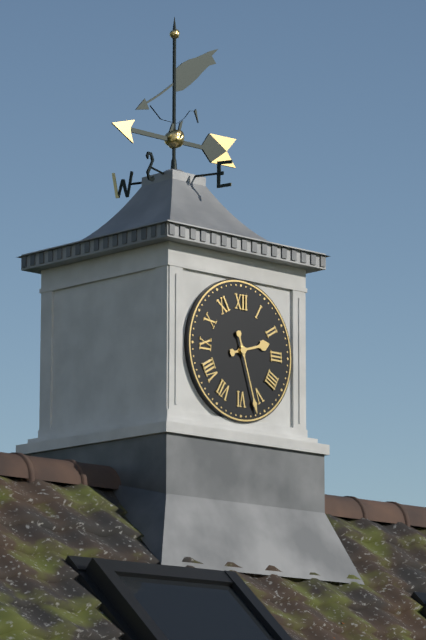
2:27
